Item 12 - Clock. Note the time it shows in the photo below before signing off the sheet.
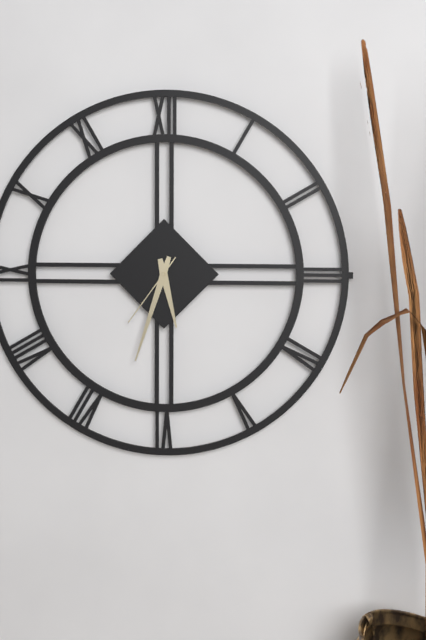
5:33:36
